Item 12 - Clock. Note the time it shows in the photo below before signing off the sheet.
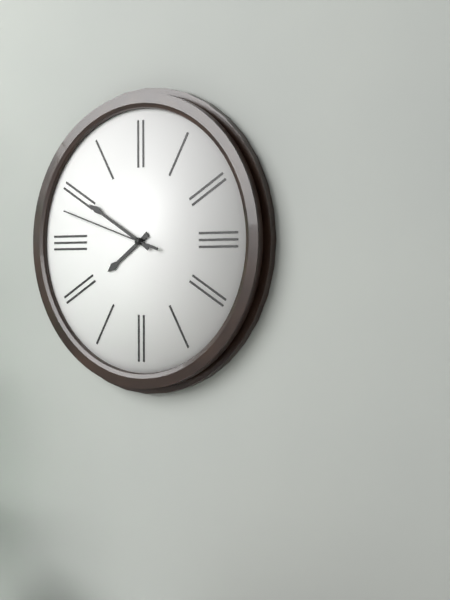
7:50:48
